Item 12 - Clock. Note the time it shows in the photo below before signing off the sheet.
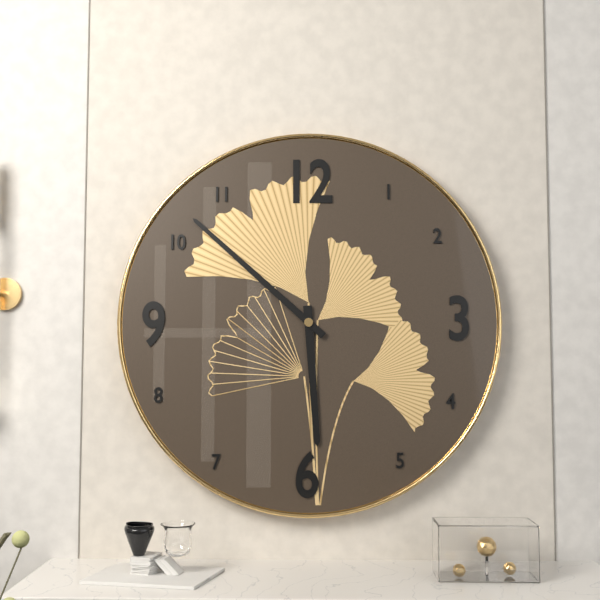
5:52
